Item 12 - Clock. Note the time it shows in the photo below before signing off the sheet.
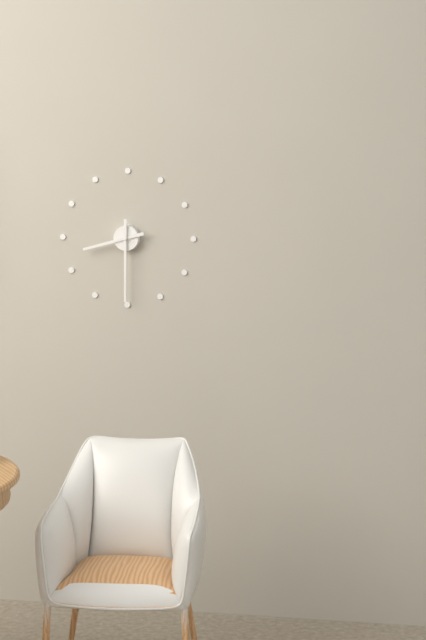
8:30
